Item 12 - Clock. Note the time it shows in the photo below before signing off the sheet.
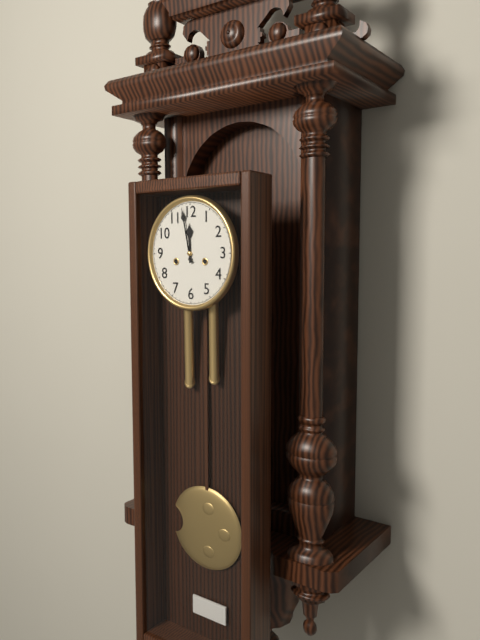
11:58
